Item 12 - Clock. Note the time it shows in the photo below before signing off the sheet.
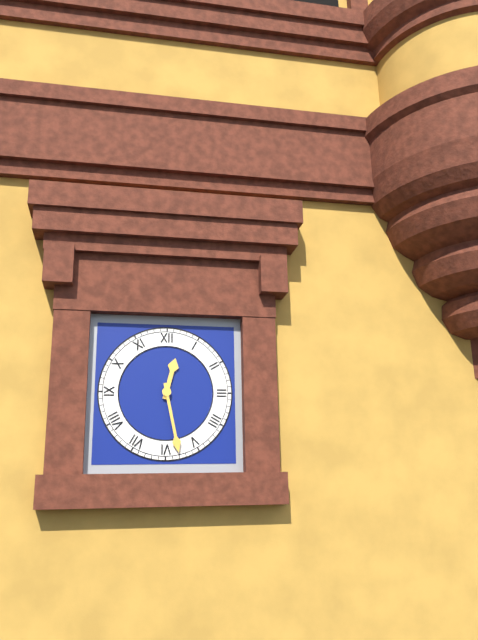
12:28
